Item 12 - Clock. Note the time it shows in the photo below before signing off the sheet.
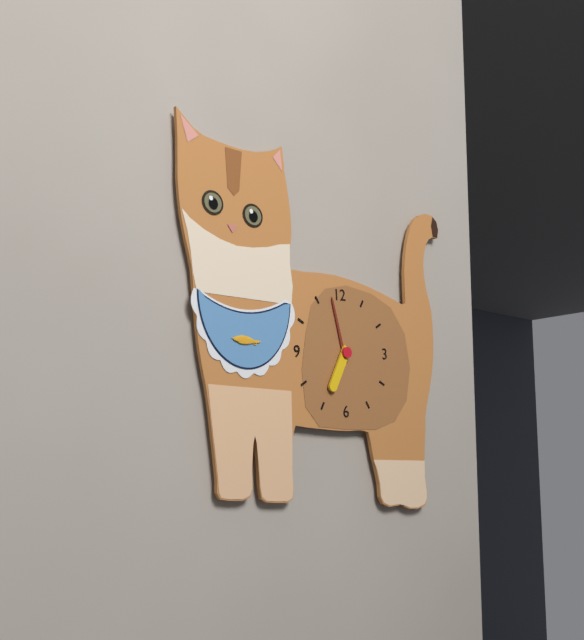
6:58
